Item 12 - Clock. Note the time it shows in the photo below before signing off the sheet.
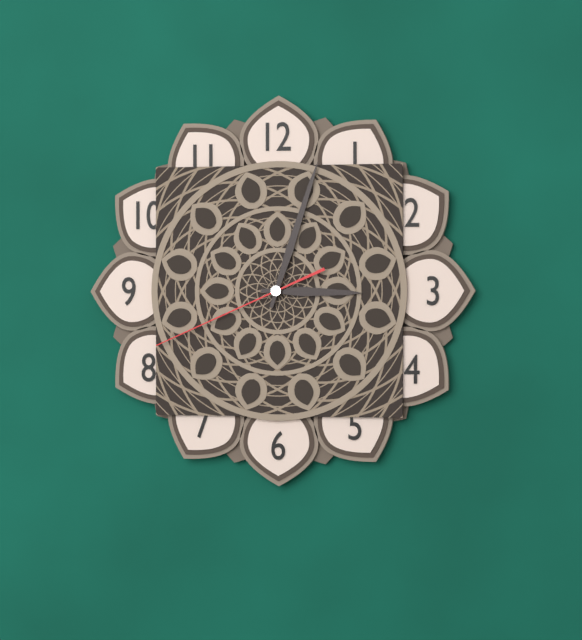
3:03:41
